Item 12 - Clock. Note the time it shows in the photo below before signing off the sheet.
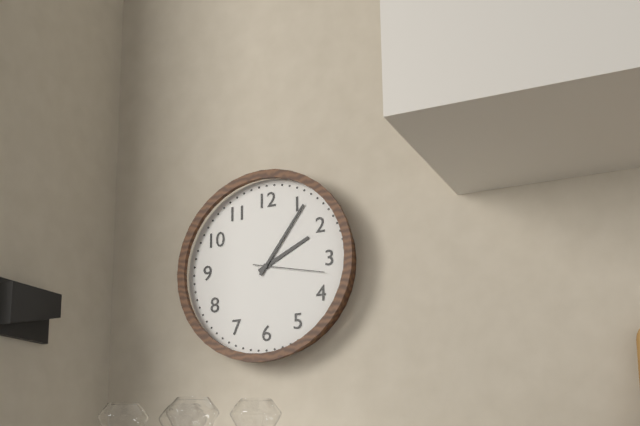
2:06:17
